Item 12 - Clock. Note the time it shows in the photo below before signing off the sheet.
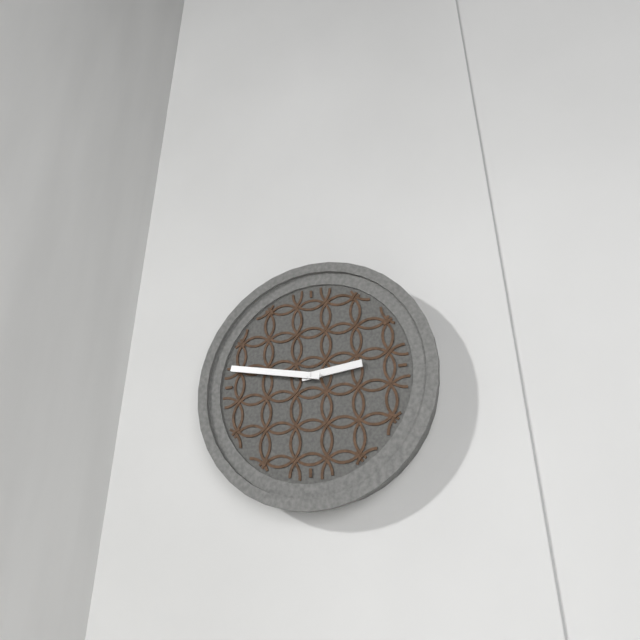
2:47
